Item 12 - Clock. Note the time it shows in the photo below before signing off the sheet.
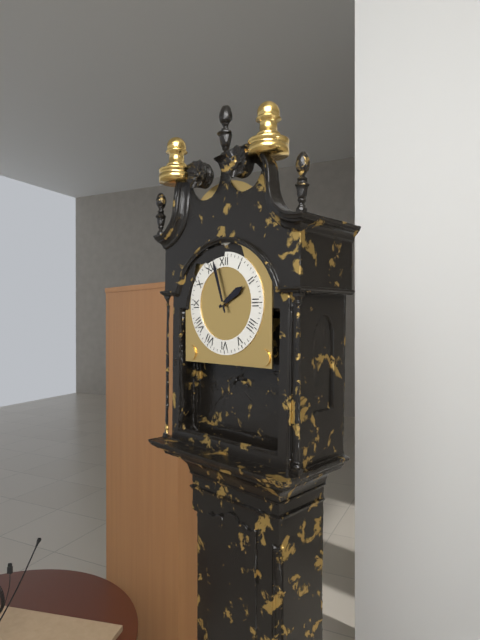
1:57
